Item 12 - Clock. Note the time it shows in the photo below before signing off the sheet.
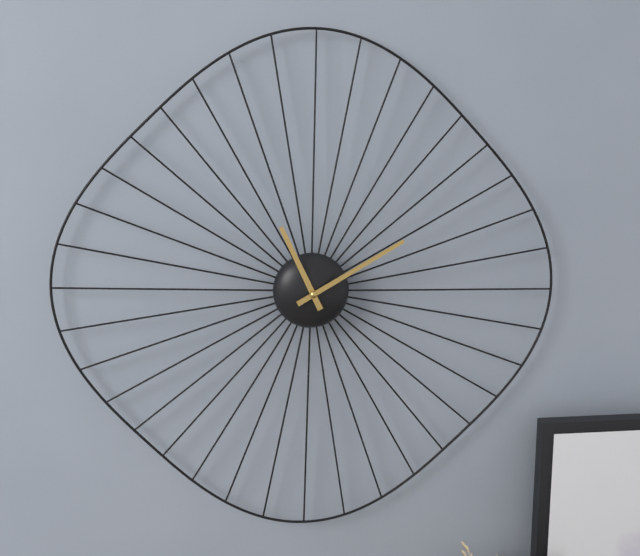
11:10
